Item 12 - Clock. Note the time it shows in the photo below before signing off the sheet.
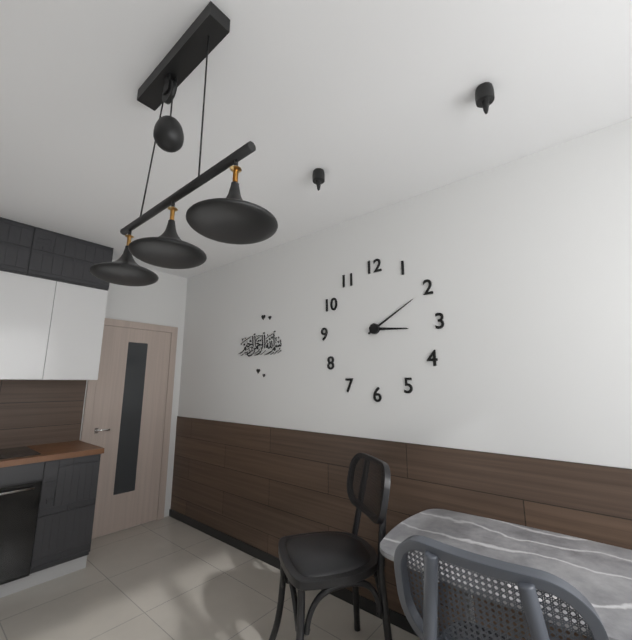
3:10
